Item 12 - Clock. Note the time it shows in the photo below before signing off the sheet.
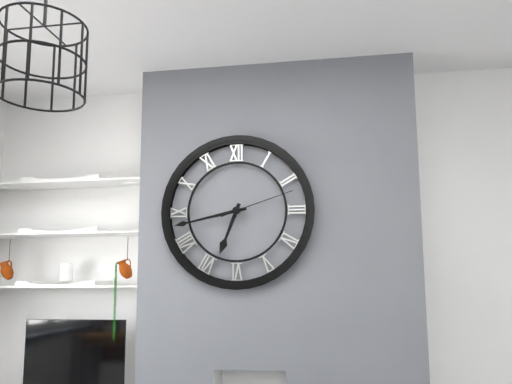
6:43:12
